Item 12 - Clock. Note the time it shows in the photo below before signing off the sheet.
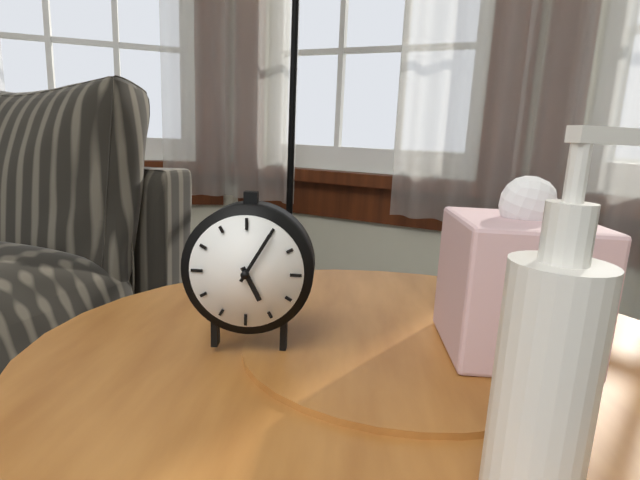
5:05
